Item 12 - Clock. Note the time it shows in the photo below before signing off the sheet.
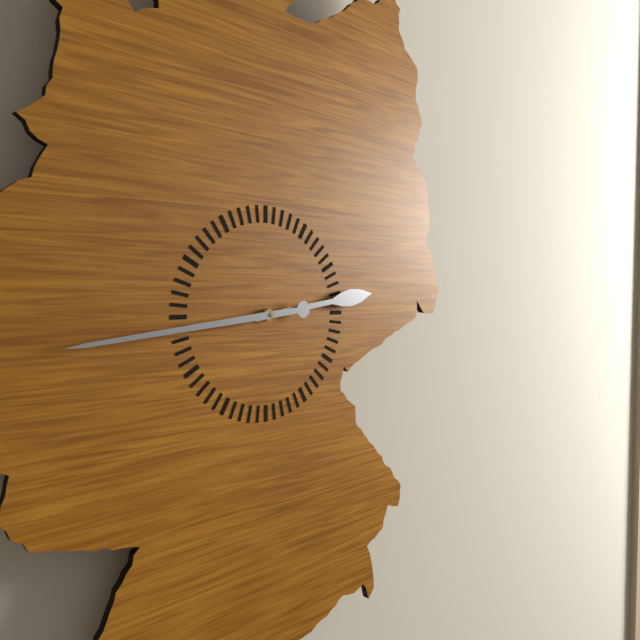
2:44
